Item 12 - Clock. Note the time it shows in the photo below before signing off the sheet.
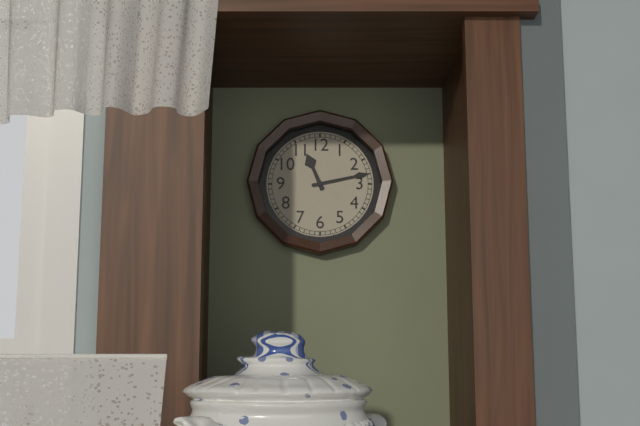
11:13
